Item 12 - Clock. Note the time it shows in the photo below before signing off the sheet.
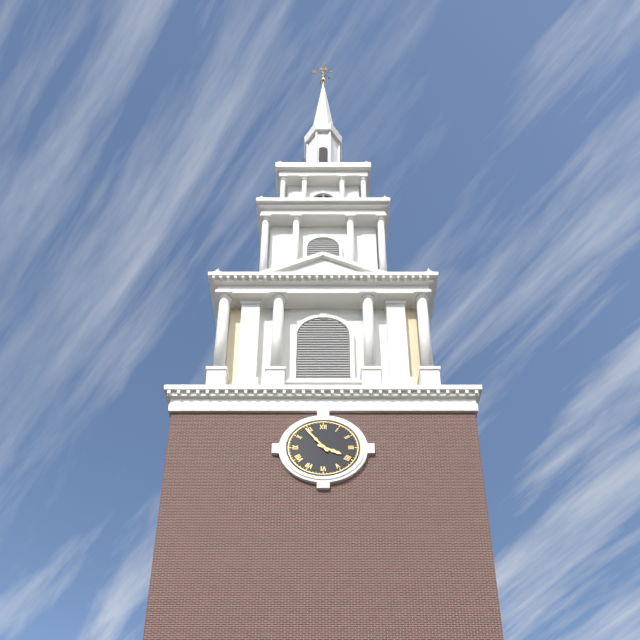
3:54
